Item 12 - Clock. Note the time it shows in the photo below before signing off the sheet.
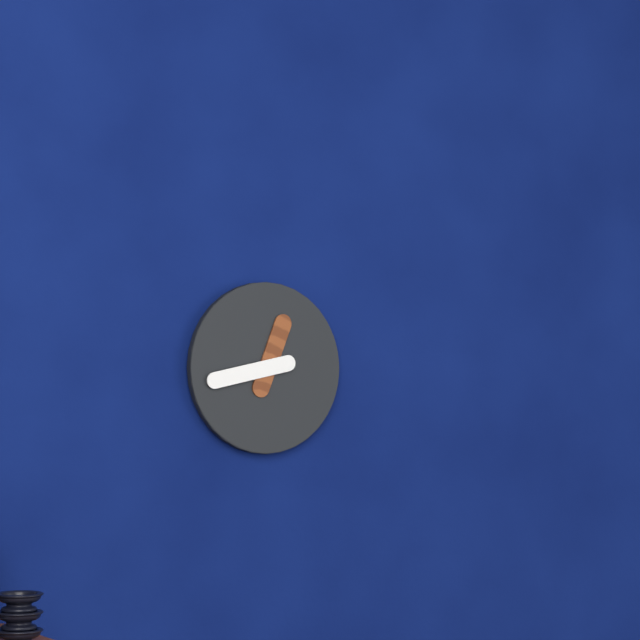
12:43
